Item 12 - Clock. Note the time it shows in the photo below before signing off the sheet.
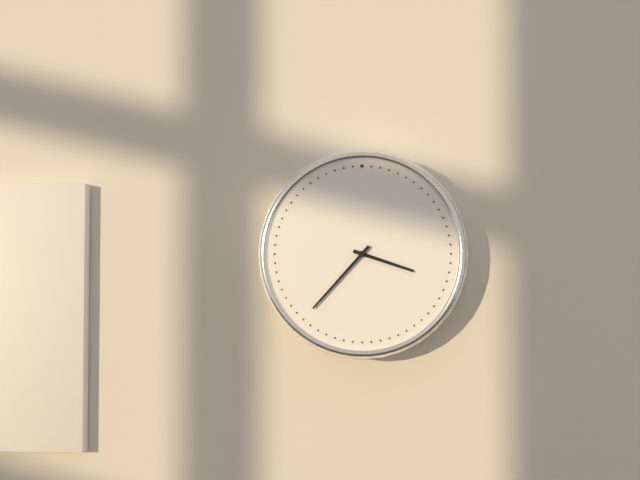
3:37
